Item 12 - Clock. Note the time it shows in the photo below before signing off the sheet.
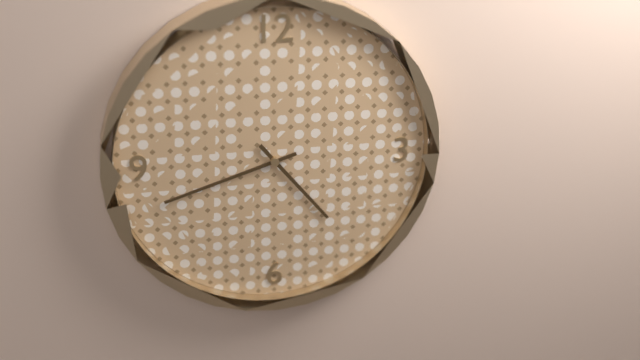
4:42
